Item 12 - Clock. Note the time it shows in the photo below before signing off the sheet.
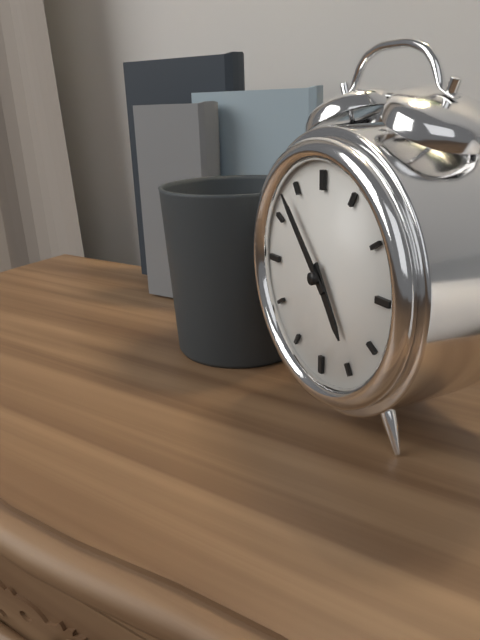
4:53
